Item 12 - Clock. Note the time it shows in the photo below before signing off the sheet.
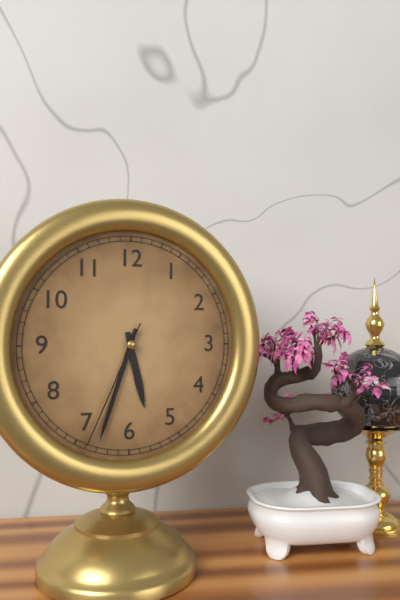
5:33:34
